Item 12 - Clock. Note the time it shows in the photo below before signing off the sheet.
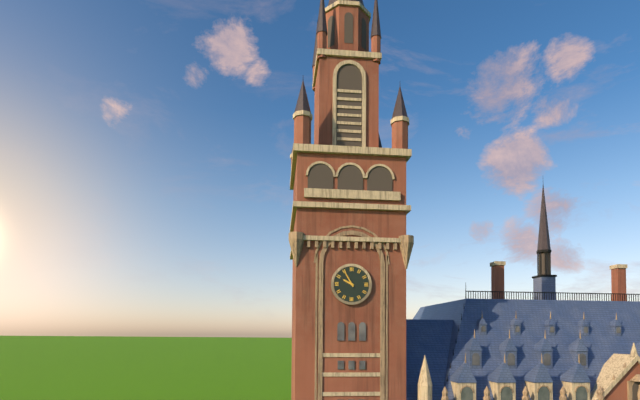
9:55
